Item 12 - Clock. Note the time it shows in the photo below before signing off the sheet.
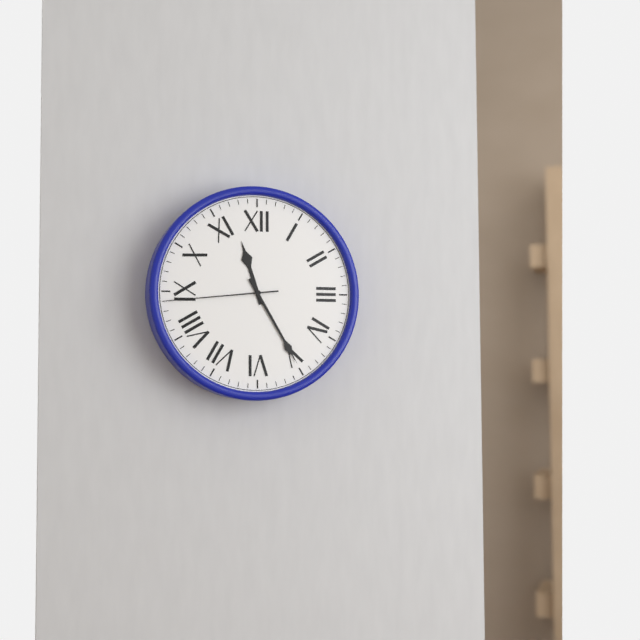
11:25:44
